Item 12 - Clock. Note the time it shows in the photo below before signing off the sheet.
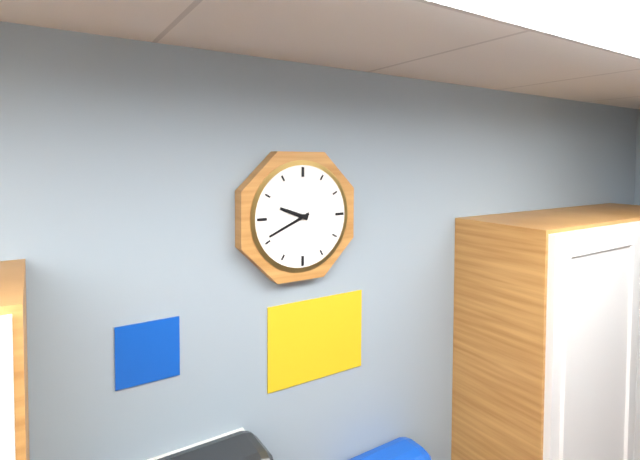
9:41
